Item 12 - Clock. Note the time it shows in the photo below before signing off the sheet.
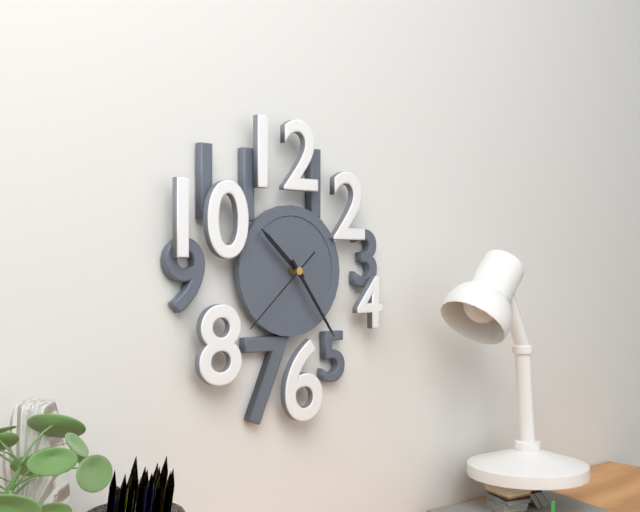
10:24:38
